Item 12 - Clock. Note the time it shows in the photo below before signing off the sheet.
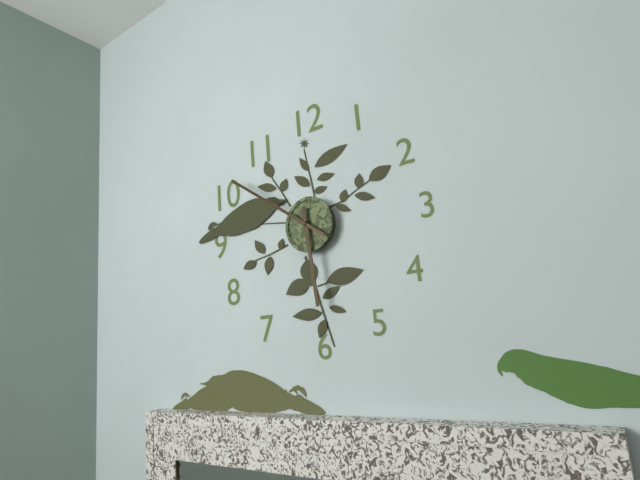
5:51
